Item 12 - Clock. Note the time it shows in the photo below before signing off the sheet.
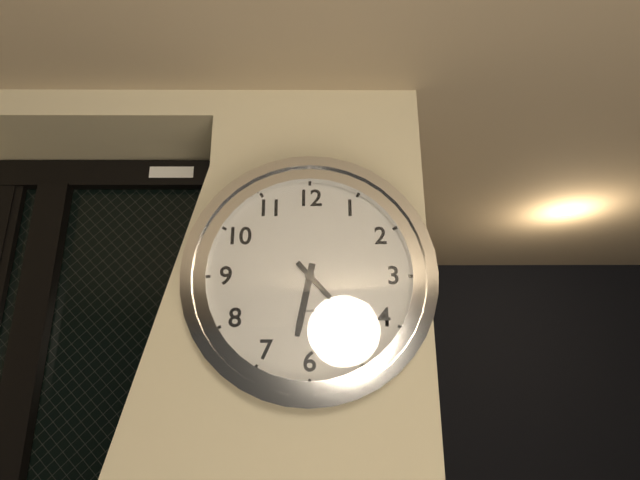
6:23
